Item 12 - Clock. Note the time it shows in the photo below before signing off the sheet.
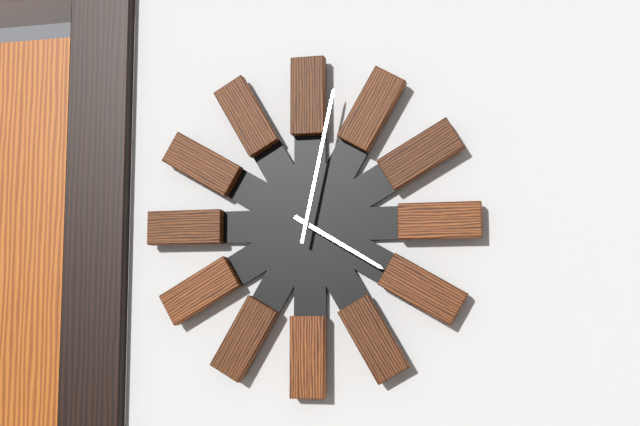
4:02
